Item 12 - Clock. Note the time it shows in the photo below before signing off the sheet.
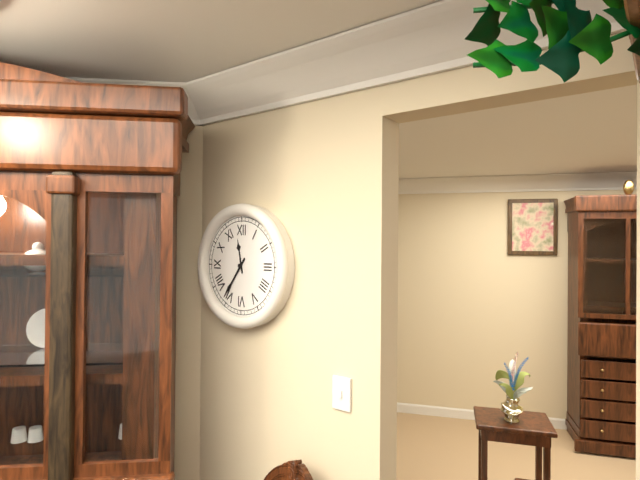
11:36
